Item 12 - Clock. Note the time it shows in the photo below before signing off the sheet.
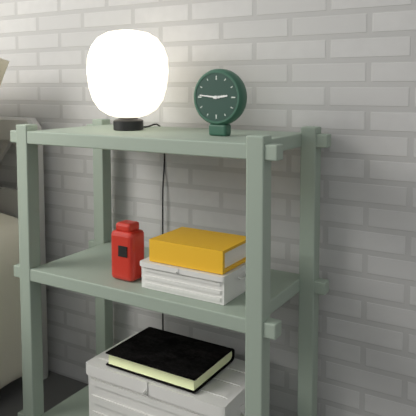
2:46
